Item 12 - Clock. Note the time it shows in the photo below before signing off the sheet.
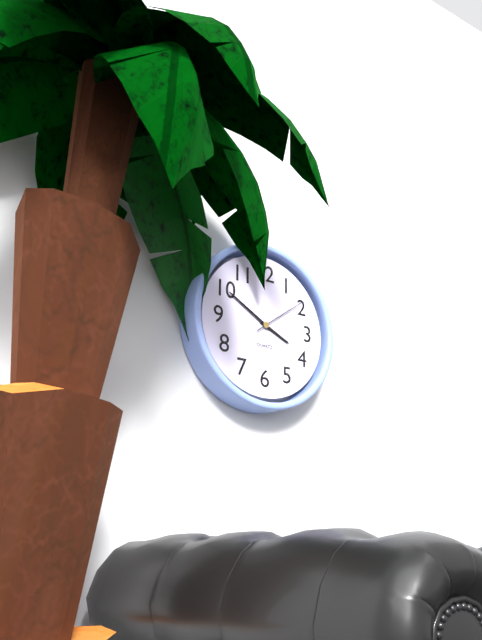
3:50:09
